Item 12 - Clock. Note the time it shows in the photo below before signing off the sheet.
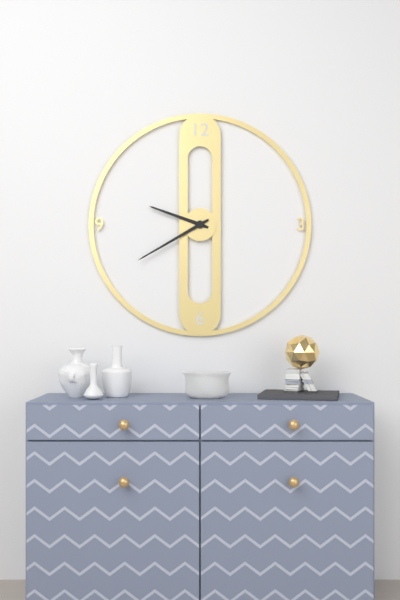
9:40
